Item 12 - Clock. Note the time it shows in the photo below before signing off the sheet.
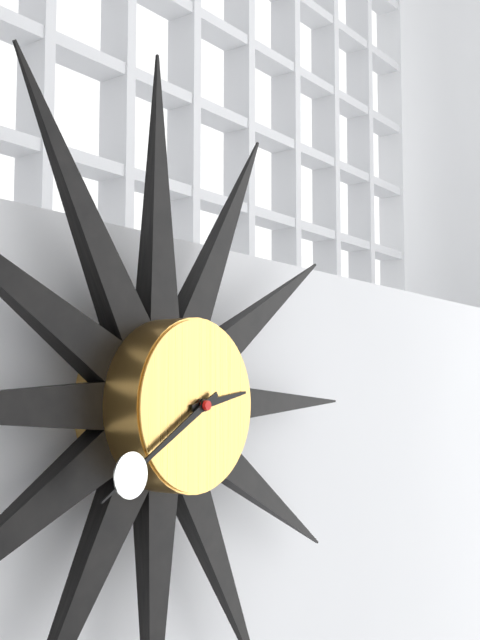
2:40
